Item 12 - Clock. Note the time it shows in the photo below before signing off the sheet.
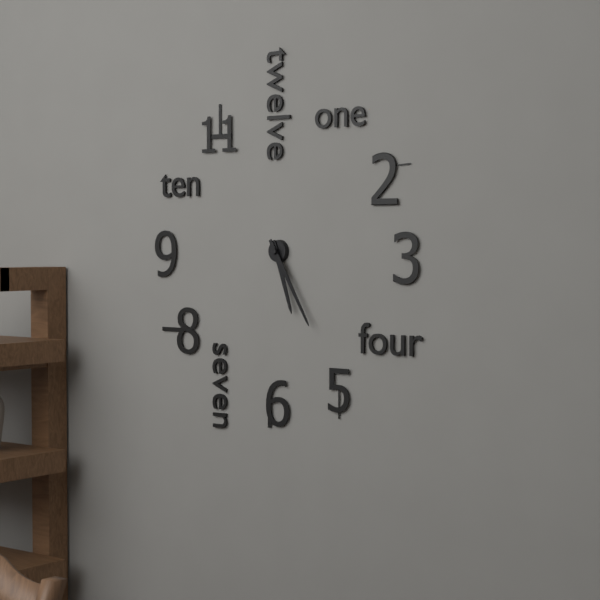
5:25
